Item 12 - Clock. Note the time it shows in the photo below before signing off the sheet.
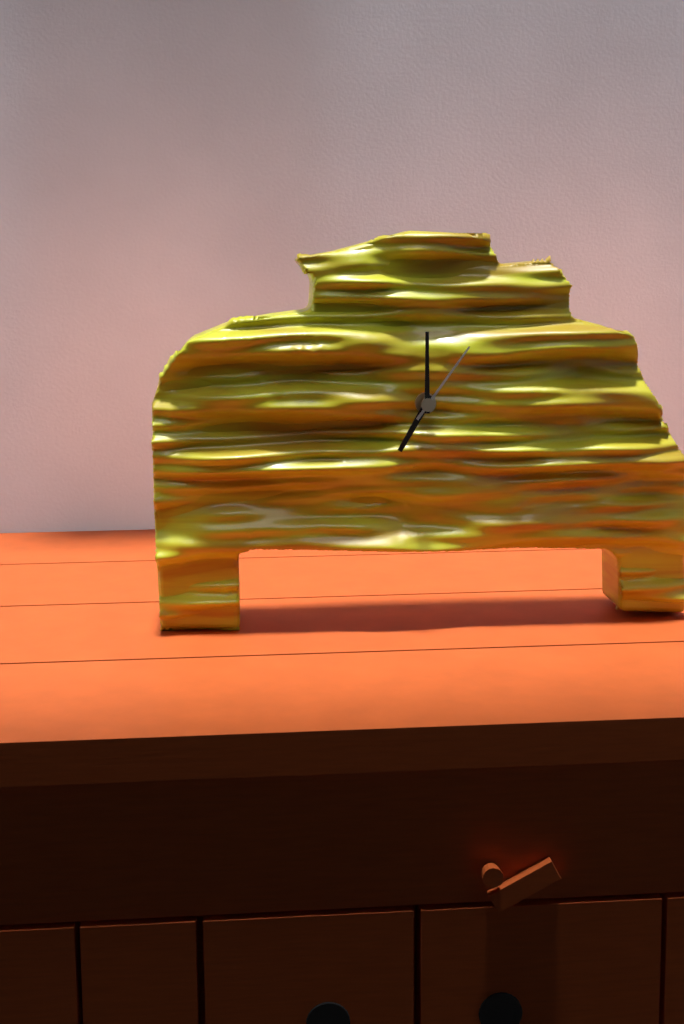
7:00:06
